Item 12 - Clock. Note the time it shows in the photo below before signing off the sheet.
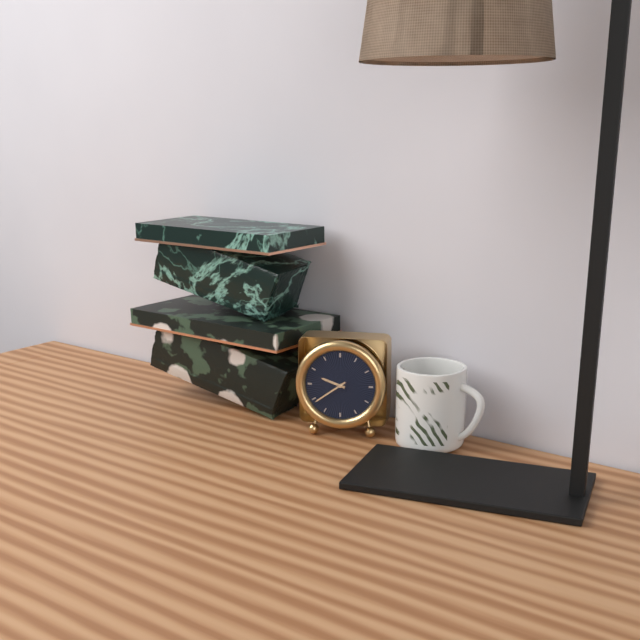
9:39
